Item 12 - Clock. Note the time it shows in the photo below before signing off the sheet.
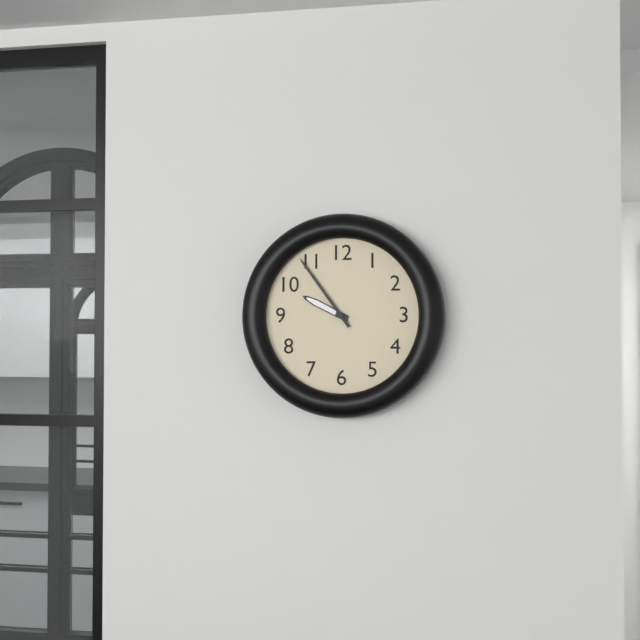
9:54
